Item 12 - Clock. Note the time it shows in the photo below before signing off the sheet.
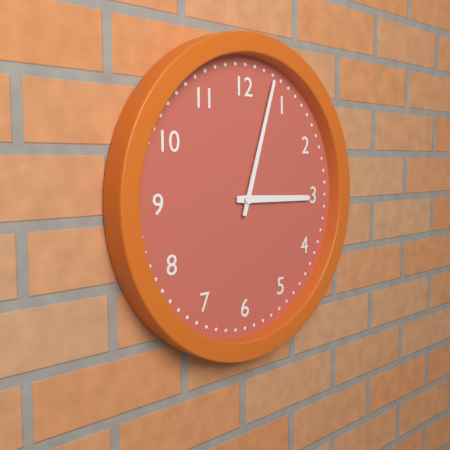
3:03
